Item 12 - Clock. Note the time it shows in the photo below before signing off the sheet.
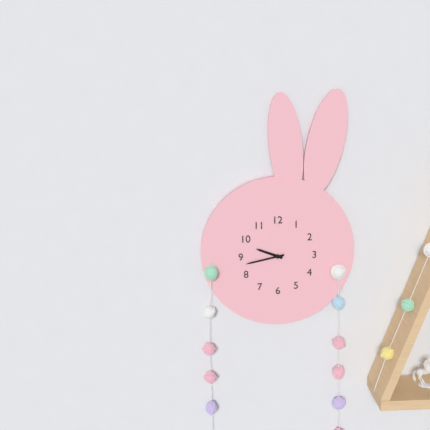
9:43
